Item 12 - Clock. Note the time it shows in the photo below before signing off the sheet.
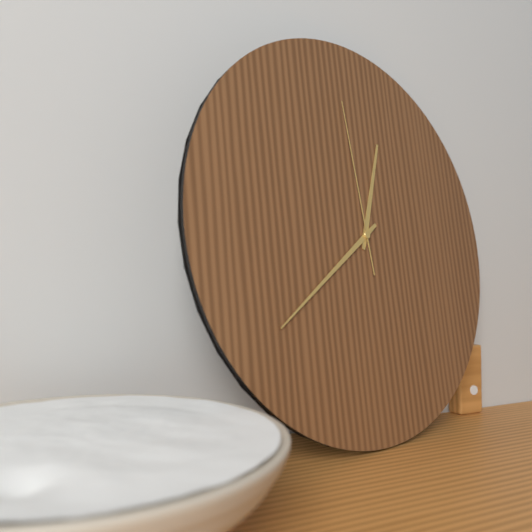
12:39:59
